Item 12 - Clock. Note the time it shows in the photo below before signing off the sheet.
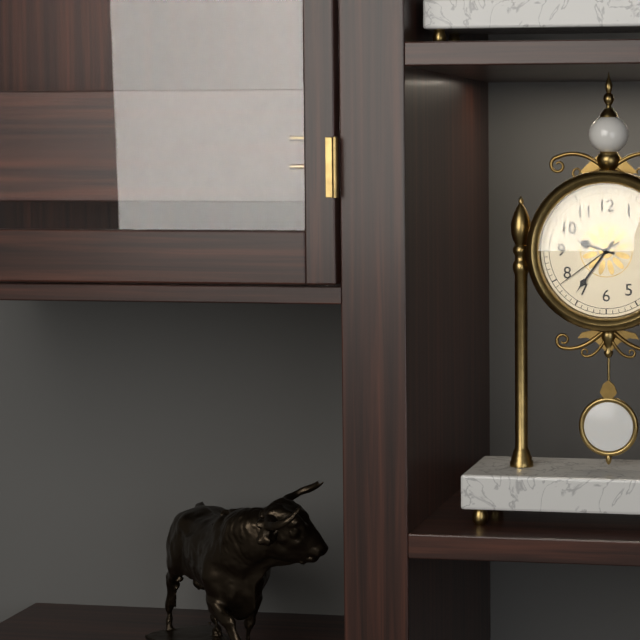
9:36:39
